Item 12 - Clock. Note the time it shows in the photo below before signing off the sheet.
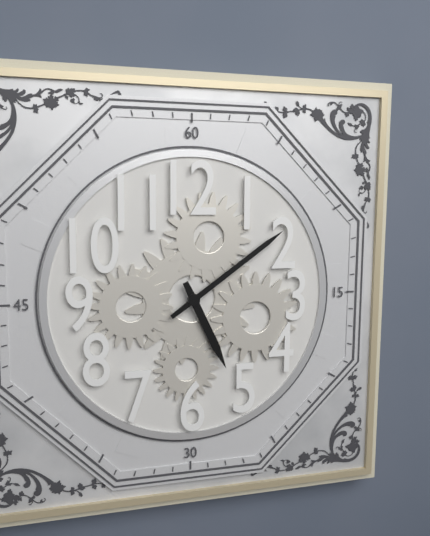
5:09
